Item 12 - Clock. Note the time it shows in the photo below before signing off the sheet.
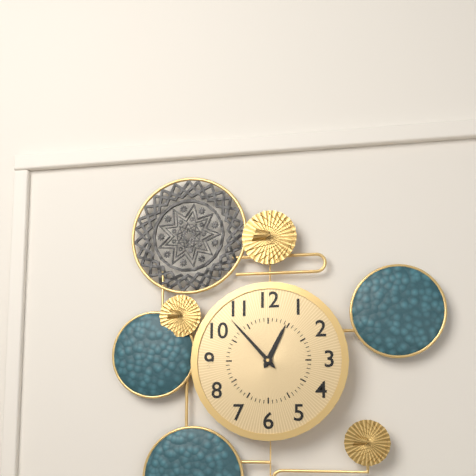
12:53
